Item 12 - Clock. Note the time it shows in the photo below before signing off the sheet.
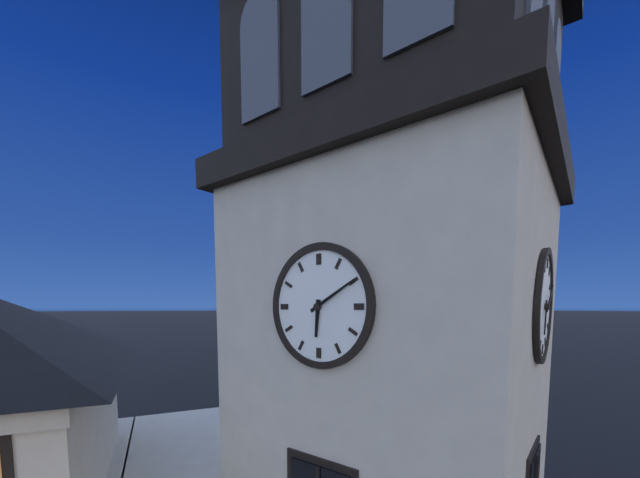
6:10
